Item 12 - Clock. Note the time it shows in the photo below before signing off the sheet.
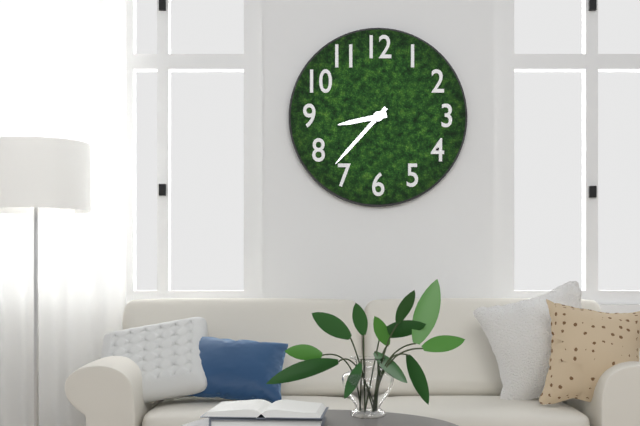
8:37
